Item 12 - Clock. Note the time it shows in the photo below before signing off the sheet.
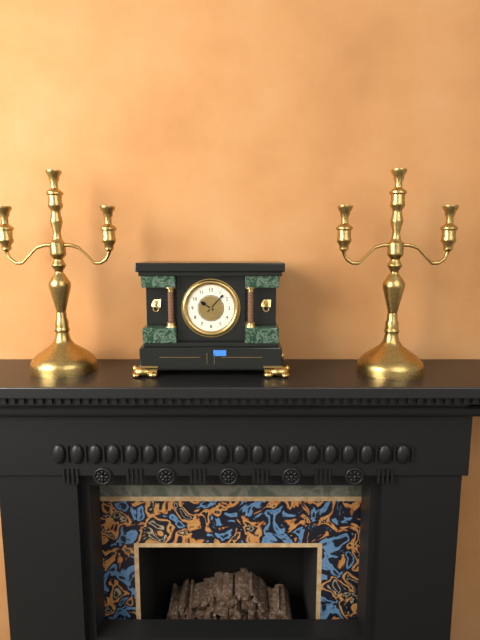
10:07
